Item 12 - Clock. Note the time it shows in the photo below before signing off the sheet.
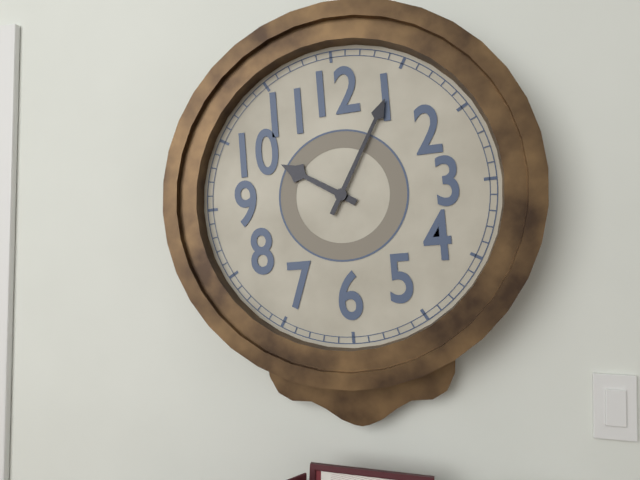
10:05
